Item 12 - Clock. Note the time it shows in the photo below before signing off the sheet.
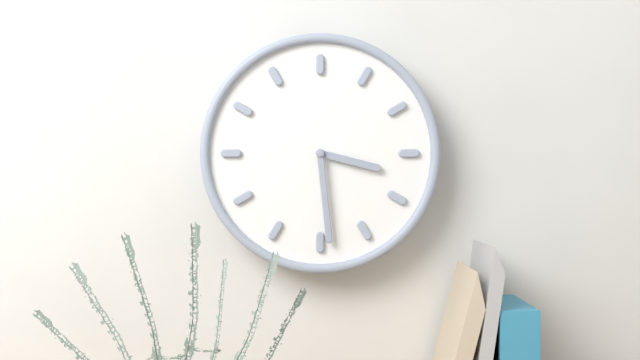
3:29
